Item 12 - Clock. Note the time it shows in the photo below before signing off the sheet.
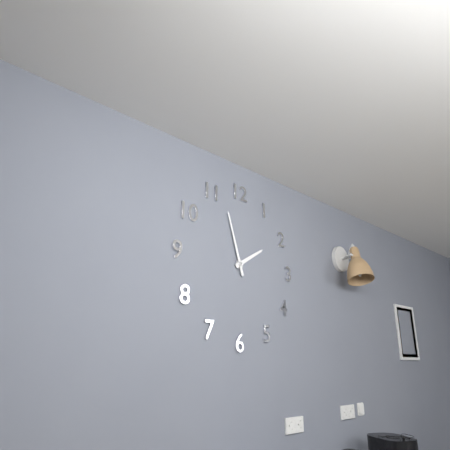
1:57
